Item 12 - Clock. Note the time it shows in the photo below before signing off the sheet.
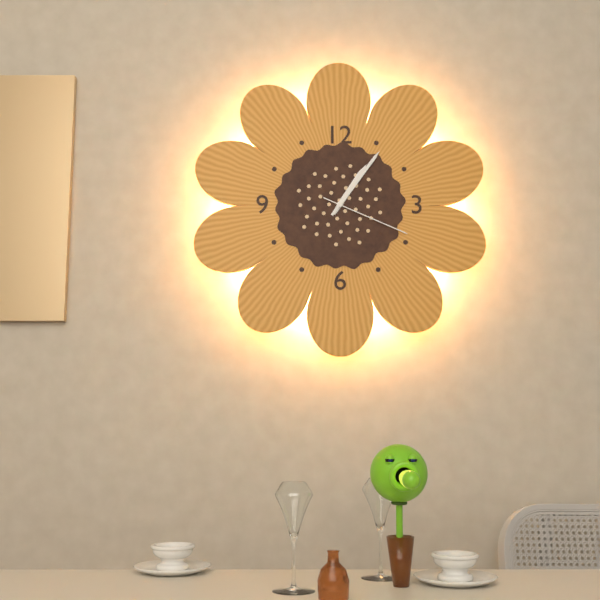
1:06:19
